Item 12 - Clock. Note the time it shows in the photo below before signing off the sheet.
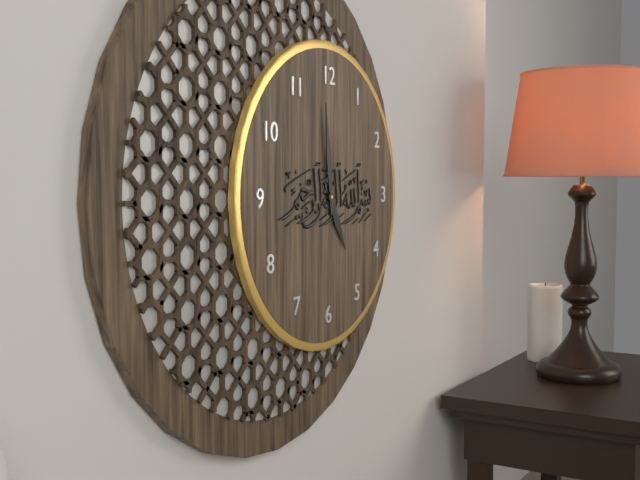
4:59
